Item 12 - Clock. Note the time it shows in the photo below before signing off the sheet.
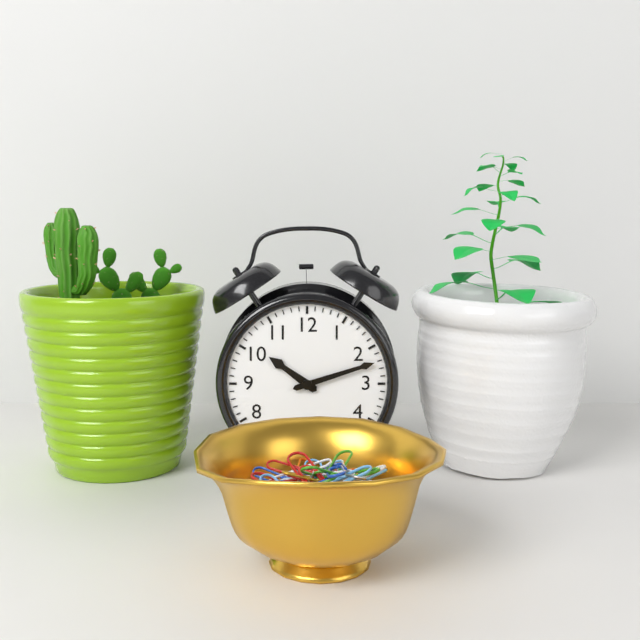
10:12
